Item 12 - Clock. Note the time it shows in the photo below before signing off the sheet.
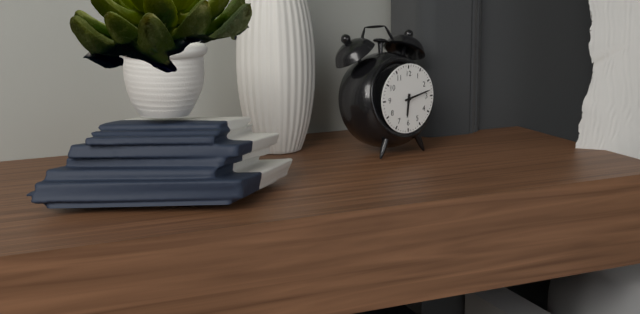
6:13
